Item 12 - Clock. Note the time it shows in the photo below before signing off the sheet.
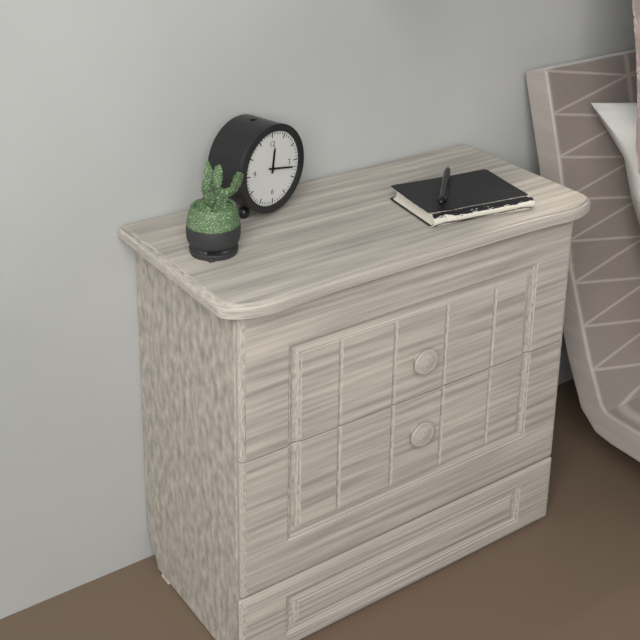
12:17
